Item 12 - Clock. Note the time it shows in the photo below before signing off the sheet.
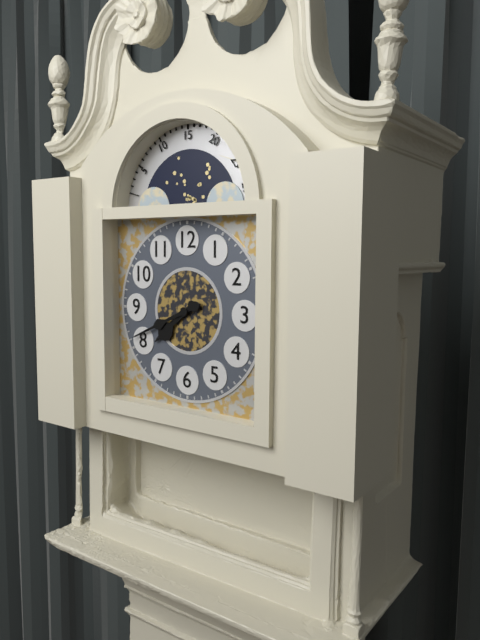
7:41
